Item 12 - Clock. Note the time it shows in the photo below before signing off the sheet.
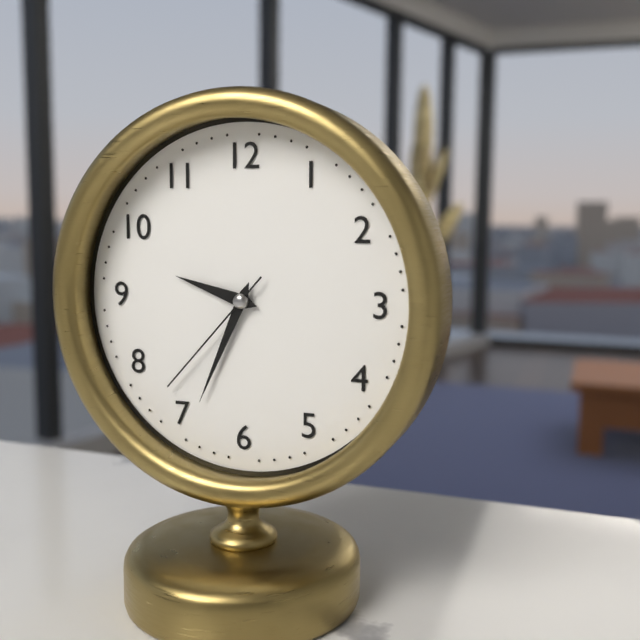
9:34:37
